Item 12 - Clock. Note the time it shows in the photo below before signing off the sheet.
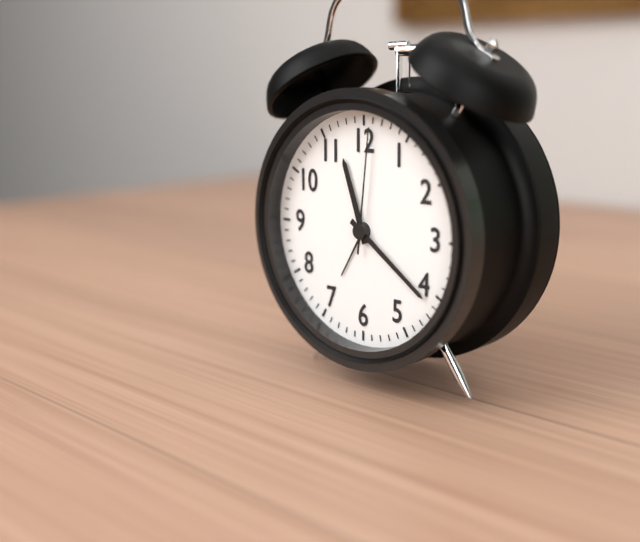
11:21:01
